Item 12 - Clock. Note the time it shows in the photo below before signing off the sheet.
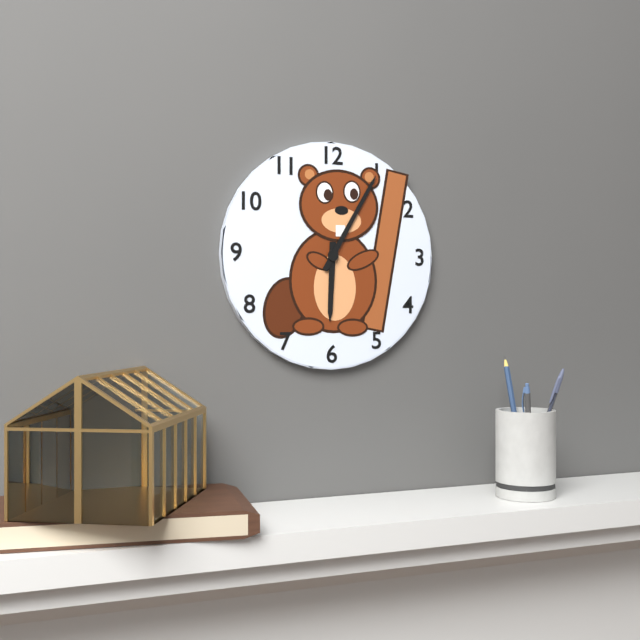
6:05
